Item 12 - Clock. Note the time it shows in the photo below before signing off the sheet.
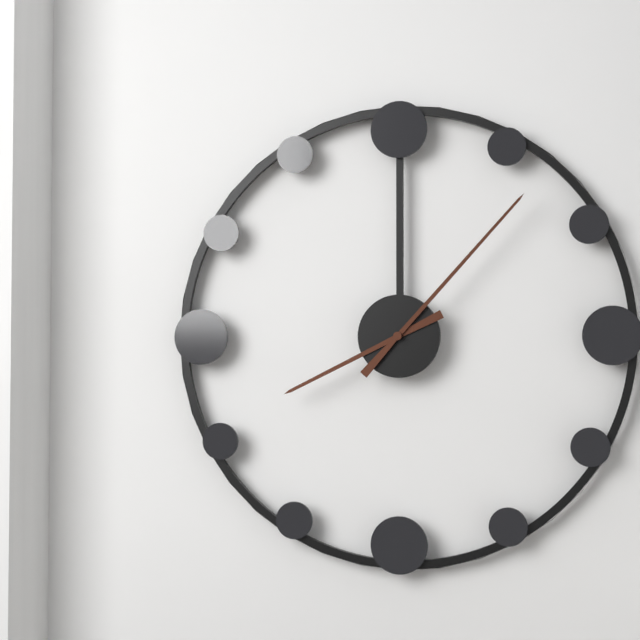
8:07
